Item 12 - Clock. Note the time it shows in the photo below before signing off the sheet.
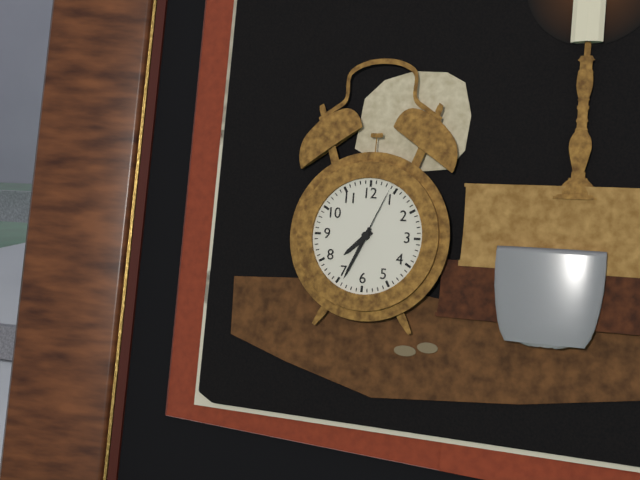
7:34:04
